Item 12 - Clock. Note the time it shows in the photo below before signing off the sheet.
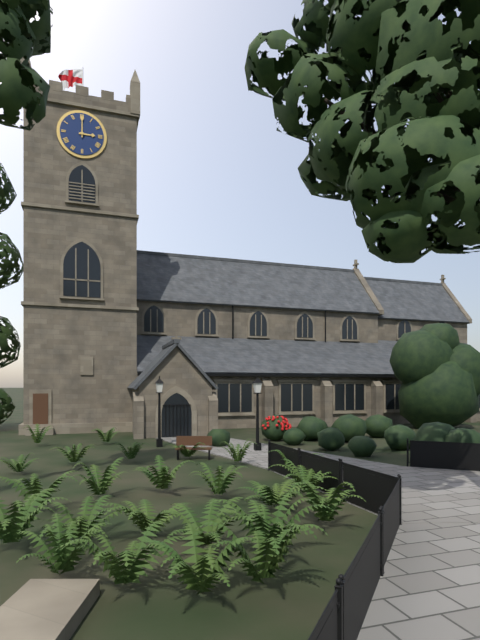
3:00
